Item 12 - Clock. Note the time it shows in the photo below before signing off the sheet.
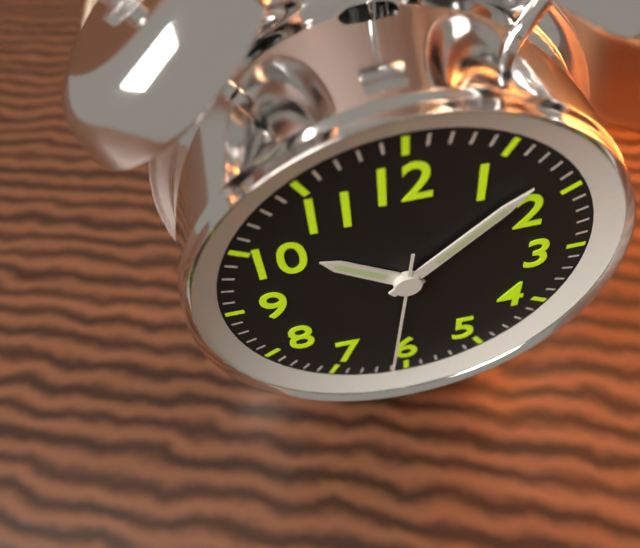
10:08:31
